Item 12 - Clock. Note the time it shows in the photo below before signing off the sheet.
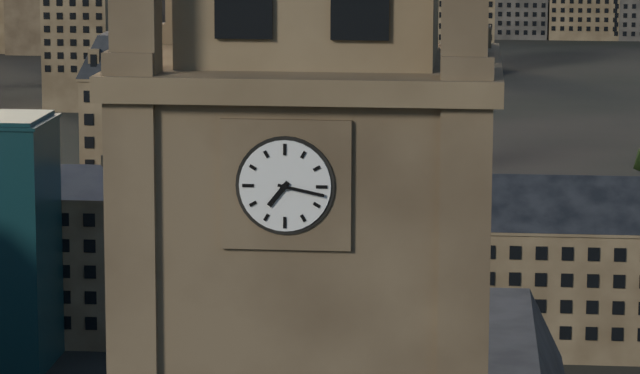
7:17
